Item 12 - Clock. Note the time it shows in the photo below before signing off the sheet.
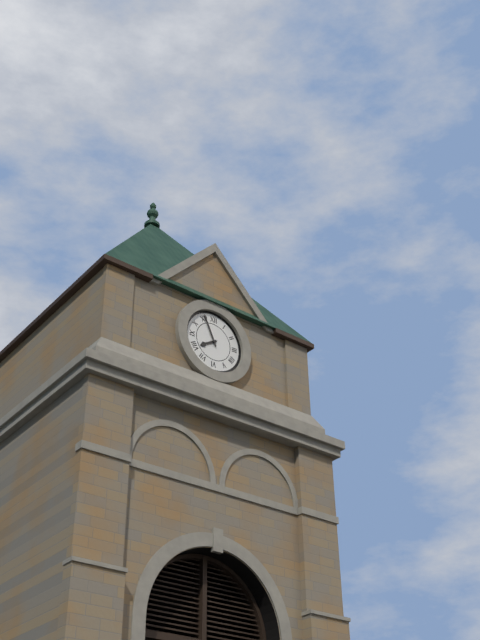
7:56
